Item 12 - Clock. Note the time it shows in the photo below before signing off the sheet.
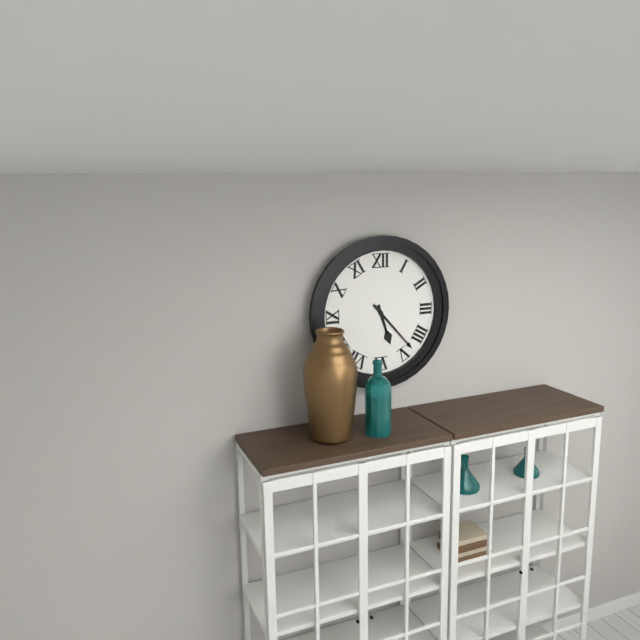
5:23
